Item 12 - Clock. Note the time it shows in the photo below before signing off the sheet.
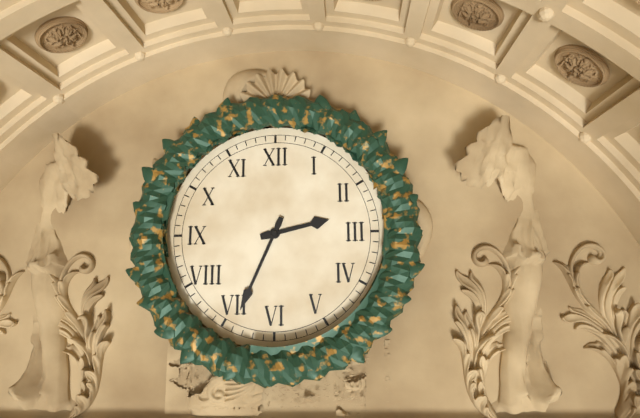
2:34
